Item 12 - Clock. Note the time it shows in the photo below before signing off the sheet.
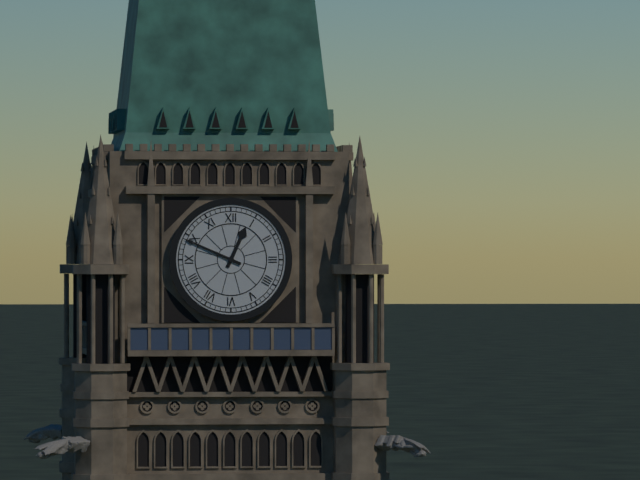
12:49
